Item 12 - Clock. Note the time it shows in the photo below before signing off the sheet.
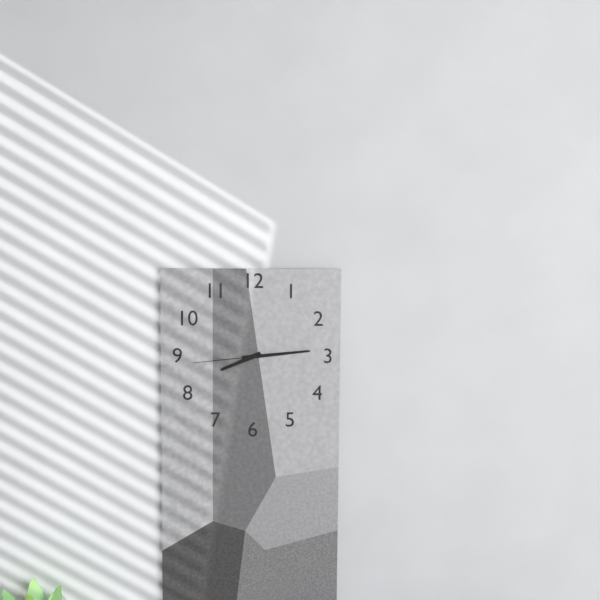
8:14:44
